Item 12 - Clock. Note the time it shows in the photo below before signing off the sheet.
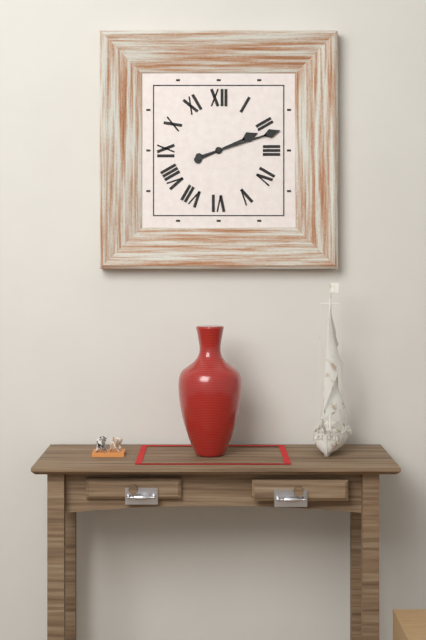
2:12
